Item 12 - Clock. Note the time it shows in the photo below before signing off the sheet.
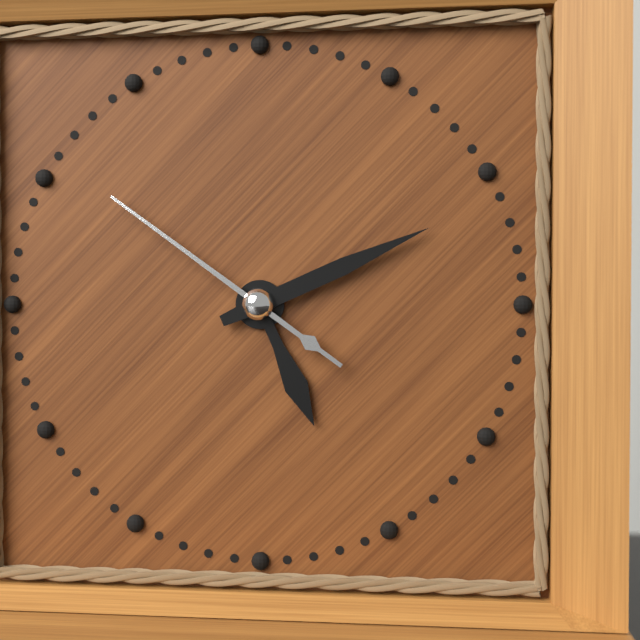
5:11:51
